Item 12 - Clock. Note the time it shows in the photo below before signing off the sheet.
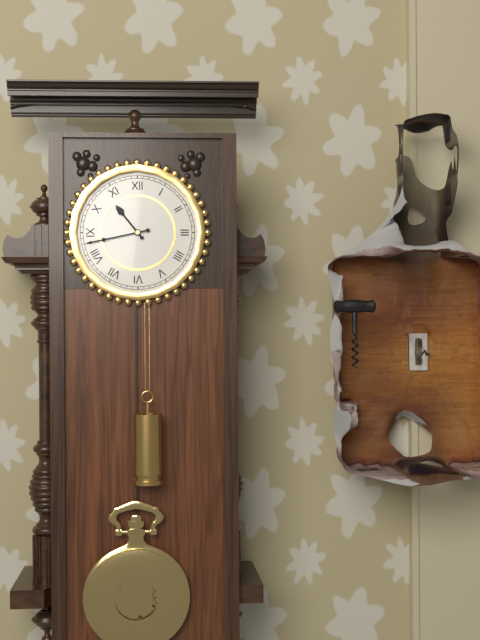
10:43
